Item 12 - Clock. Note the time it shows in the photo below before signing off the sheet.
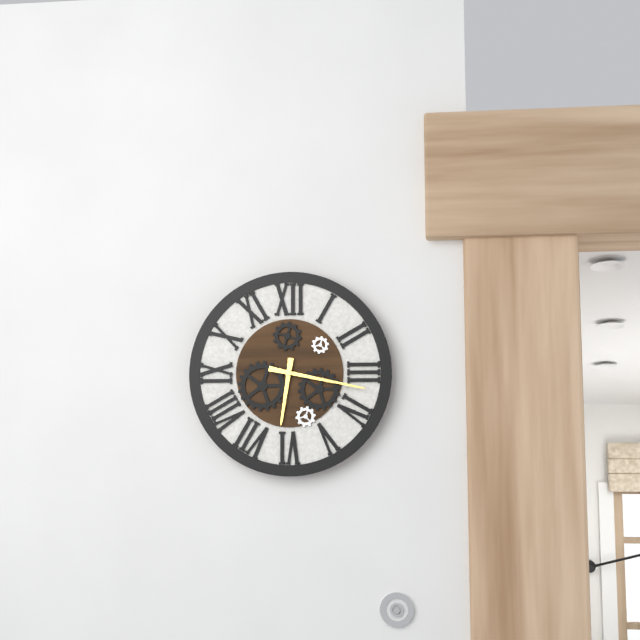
6:17
